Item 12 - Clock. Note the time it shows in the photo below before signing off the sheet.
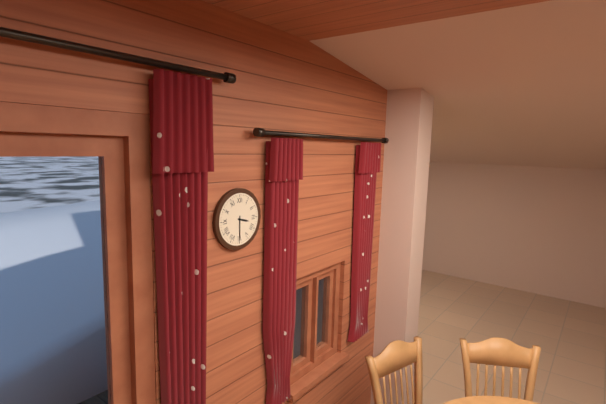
3:30
